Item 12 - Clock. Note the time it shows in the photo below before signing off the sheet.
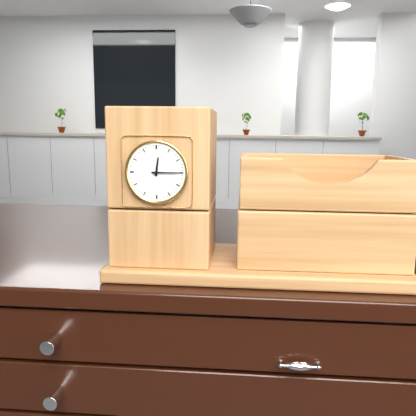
12:15
